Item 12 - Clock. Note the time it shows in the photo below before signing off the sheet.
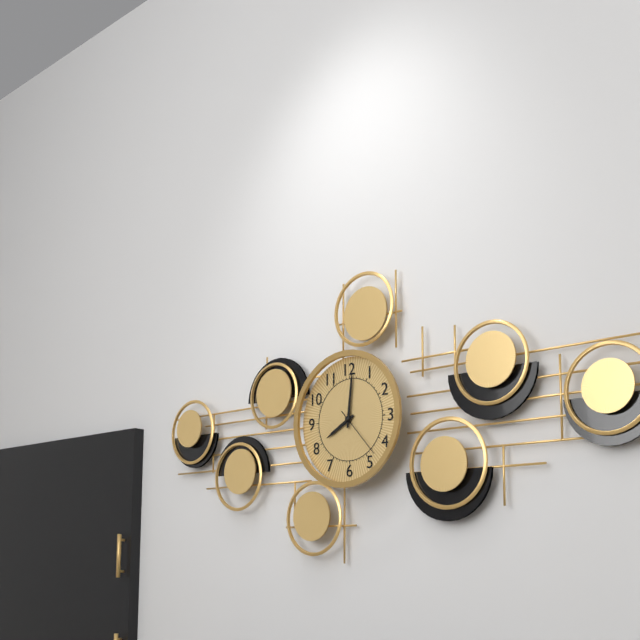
8:01:23
